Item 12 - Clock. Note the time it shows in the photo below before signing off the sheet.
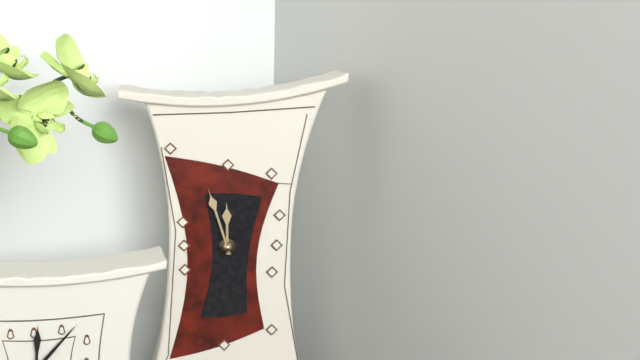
11:57
